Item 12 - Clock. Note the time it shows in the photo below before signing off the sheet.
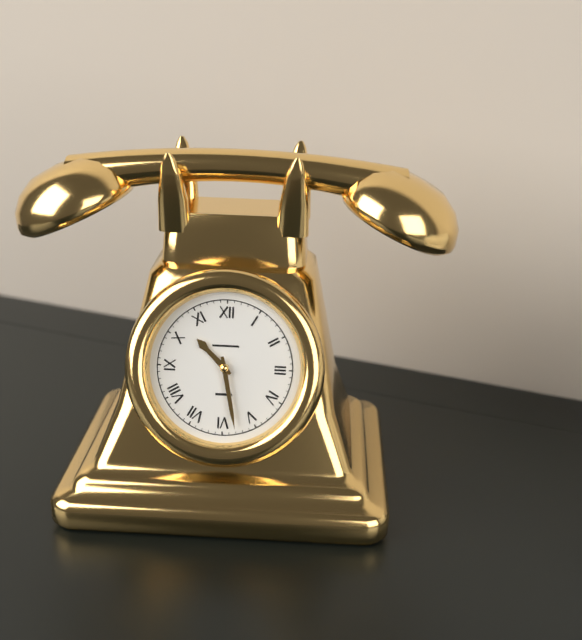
10:28
